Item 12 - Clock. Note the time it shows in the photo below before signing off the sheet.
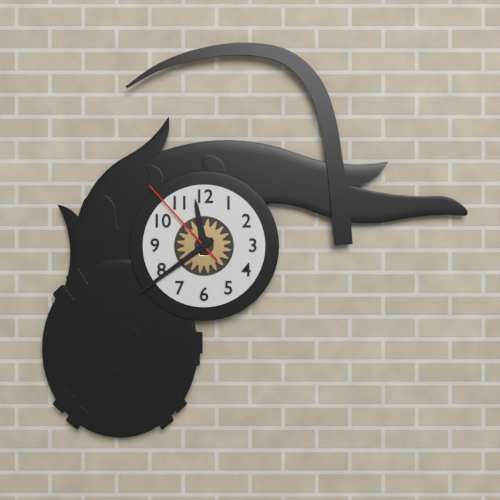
11:39:53
